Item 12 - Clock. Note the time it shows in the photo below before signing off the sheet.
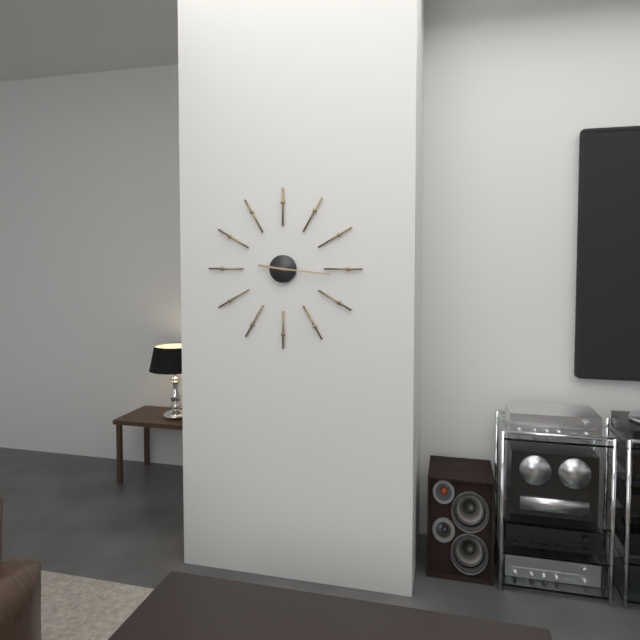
9:16
